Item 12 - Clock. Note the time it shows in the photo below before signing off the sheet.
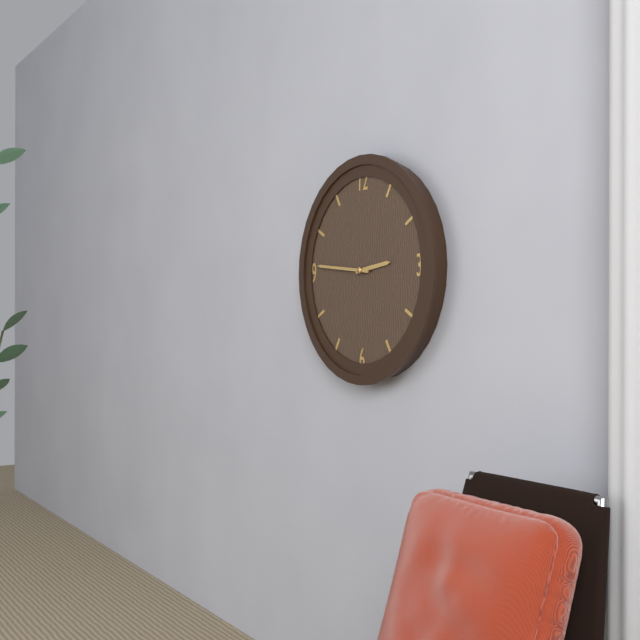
2:46
